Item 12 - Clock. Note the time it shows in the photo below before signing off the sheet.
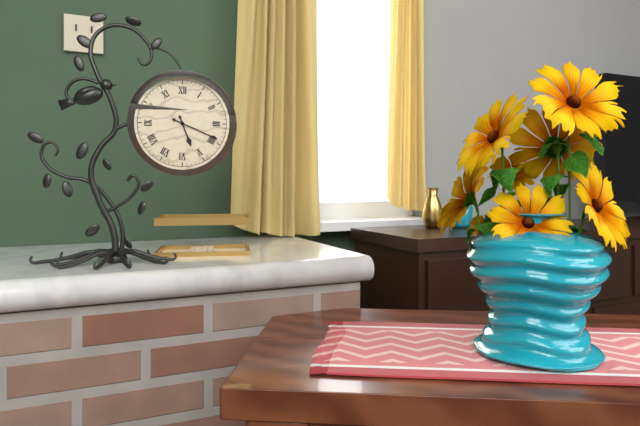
5:19
